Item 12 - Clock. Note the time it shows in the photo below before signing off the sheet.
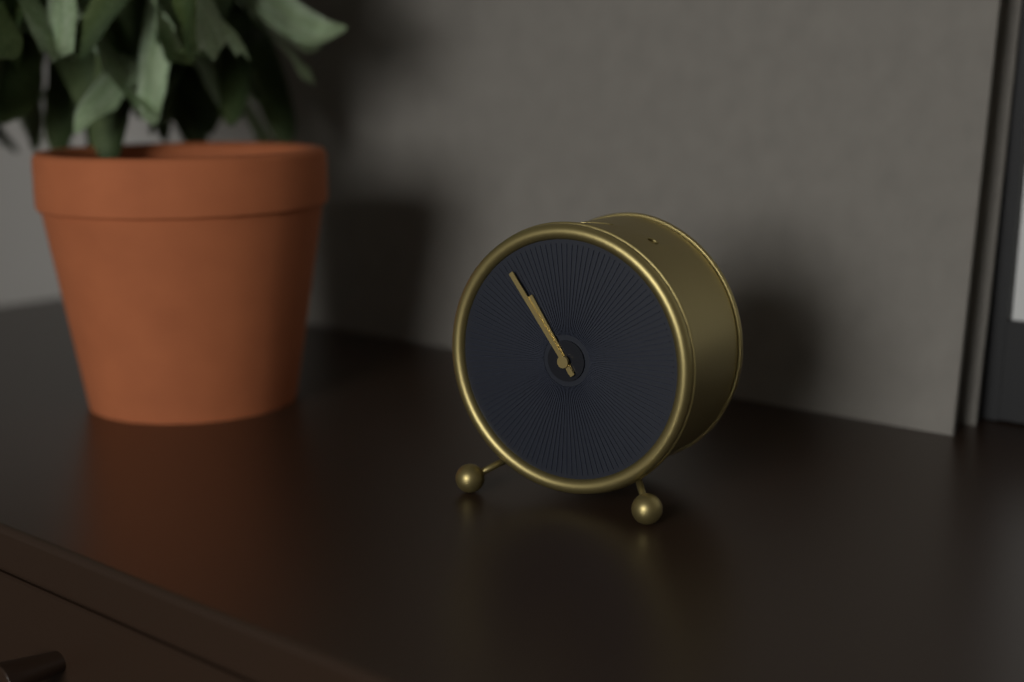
10:54
